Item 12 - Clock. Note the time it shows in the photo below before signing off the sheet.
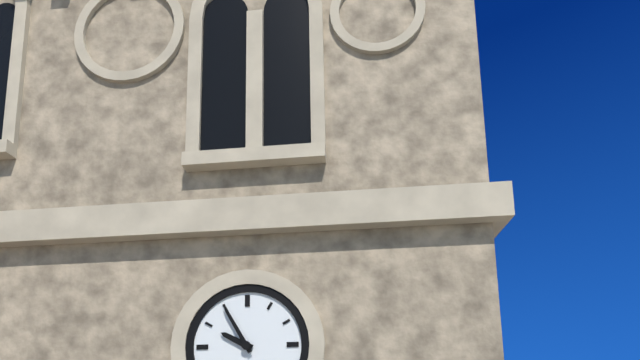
9:55
